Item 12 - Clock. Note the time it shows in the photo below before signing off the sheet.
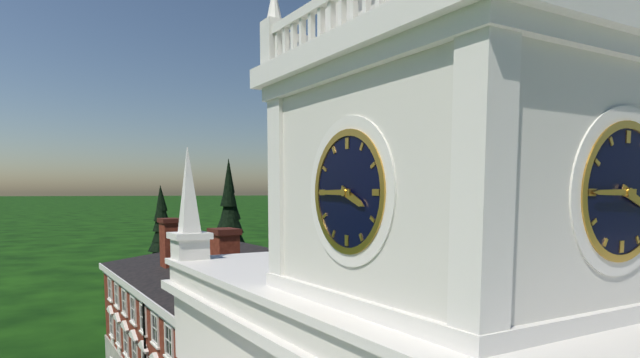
3:45
